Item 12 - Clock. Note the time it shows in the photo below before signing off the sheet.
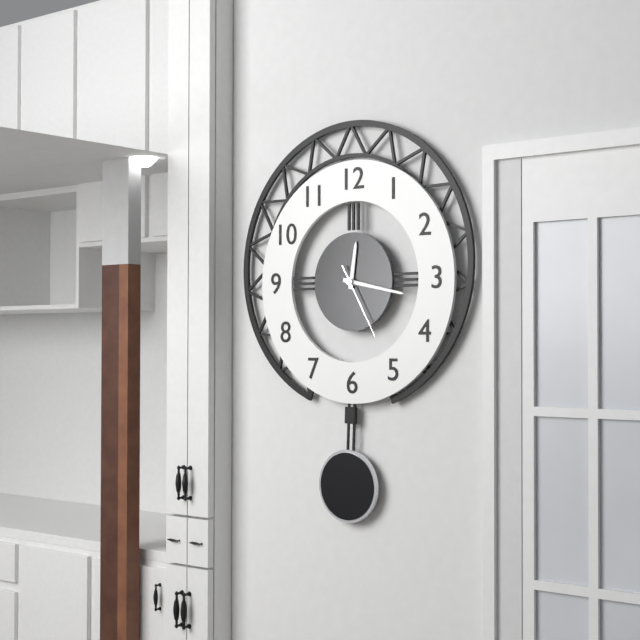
12:17:25
